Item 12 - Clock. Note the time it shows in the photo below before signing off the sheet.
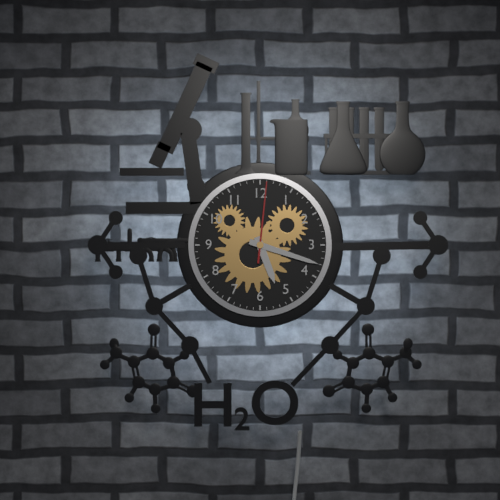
5:18:01
